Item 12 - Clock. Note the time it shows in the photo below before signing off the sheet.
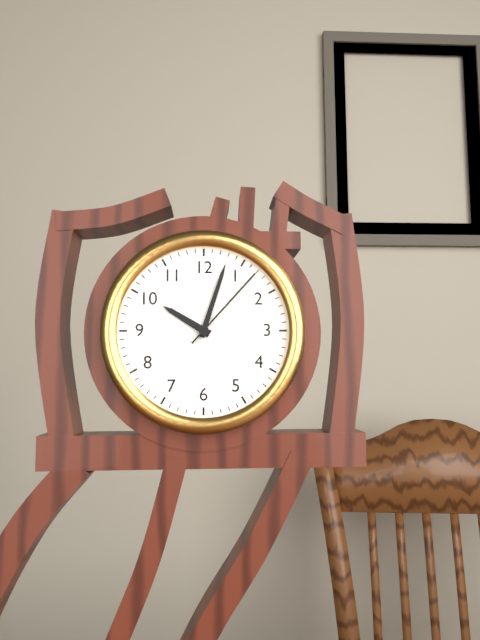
10:03:07
